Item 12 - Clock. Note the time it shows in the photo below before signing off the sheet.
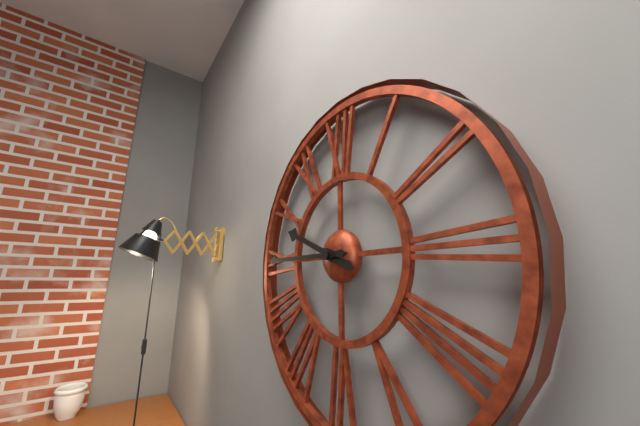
9:45
